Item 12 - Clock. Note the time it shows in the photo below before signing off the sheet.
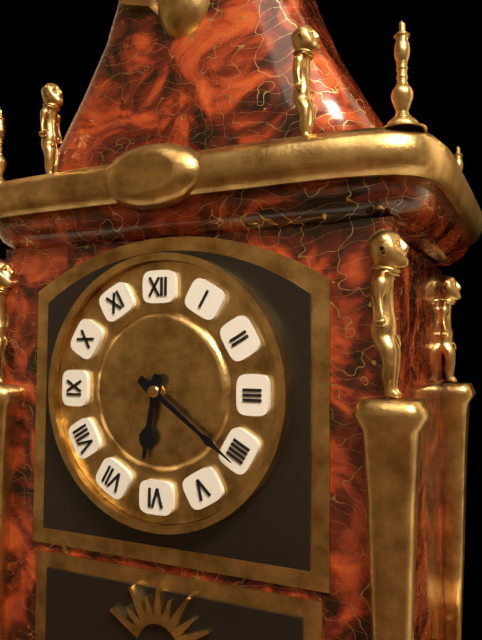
6:21
